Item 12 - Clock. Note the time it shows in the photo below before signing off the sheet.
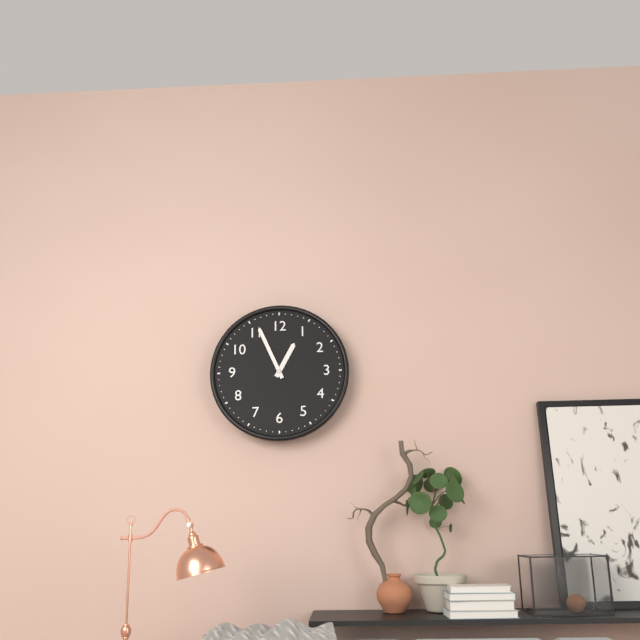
12:56
